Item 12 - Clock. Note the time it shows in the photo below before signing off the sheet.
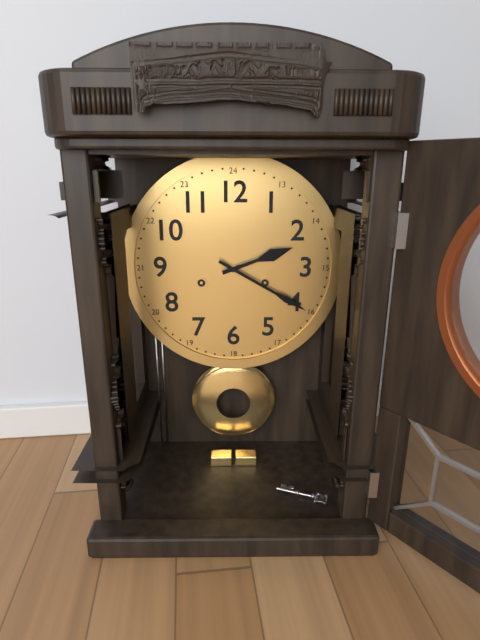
2:20
